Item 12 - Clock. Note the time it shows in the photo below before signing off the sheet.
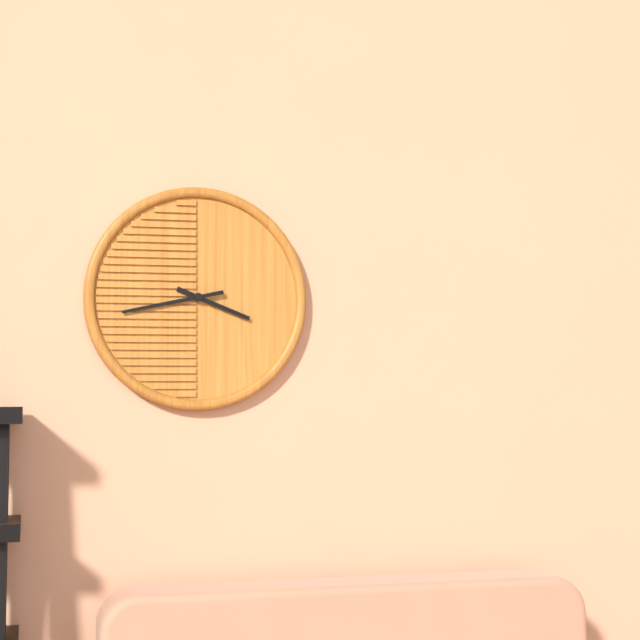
3:43
